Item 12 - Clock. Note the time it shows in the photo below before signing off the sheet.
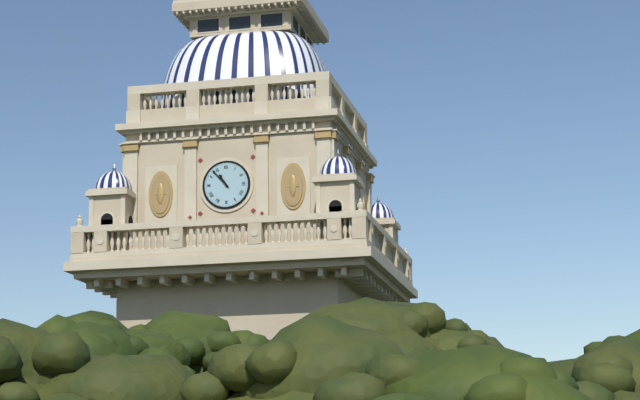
10:53
